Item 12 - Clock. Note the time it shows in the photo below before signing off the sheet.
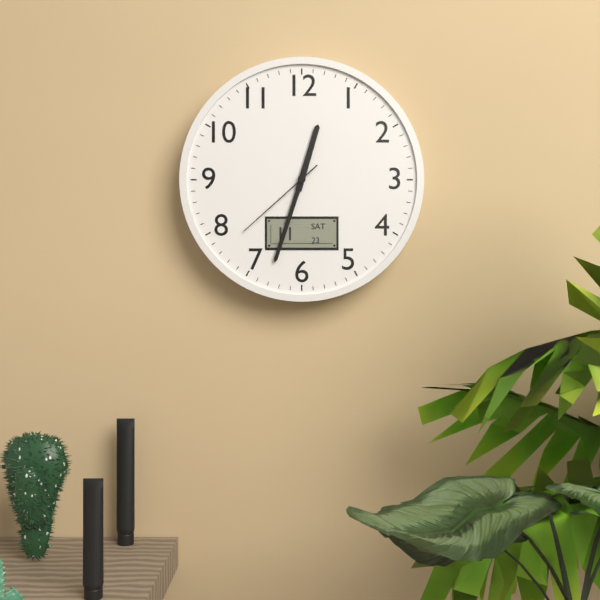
12:33:38
